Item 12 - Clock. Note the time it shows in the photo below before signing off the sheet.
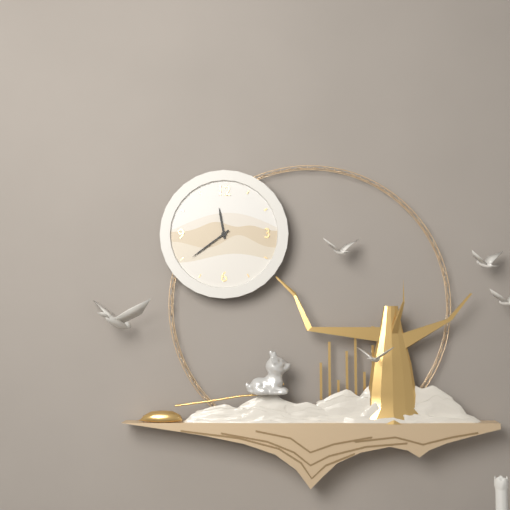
11:39
